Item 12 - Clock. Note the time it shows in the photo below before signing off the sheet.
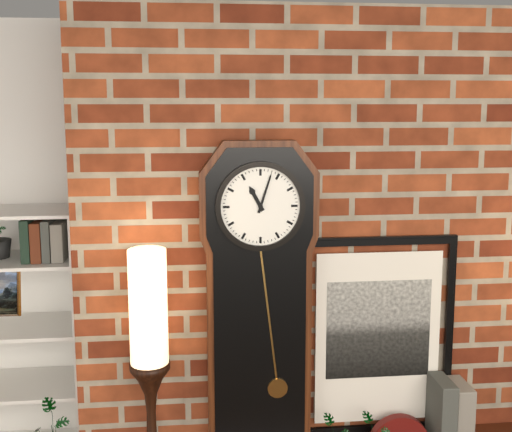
11:03
